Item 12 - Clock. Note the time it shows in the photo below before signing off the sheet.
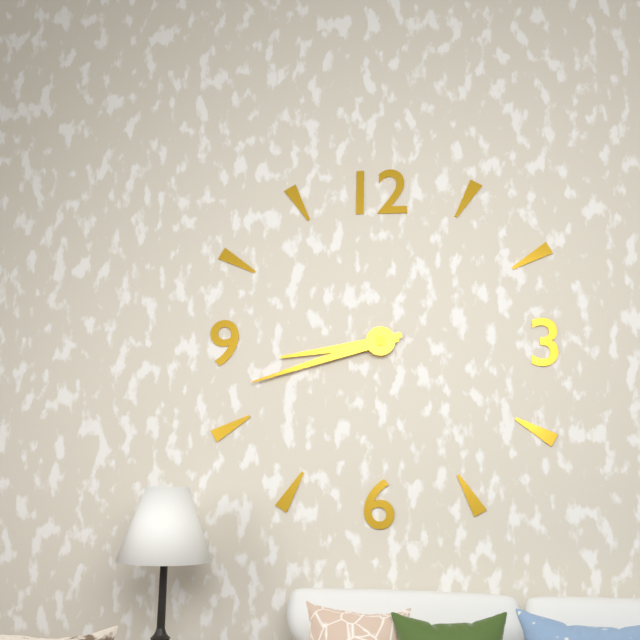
8:42
